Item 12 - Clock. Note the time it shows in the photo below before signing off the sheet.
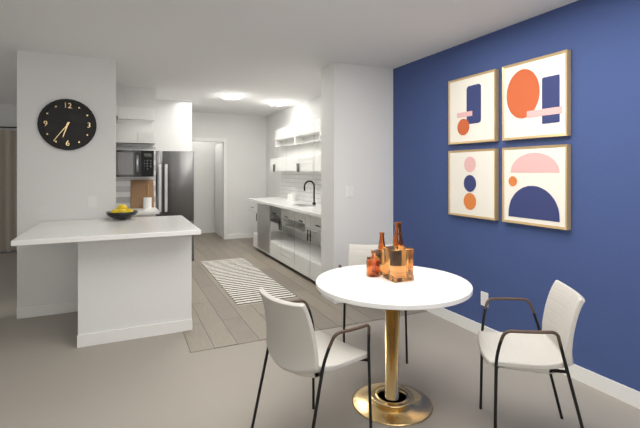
6:36
